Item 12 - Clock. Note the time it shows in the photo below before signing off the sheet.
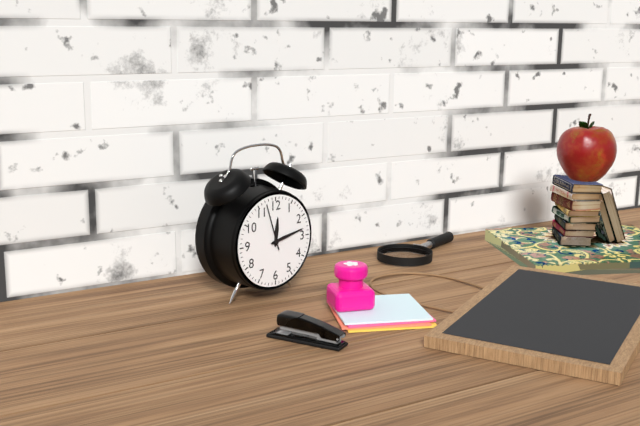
12:13
